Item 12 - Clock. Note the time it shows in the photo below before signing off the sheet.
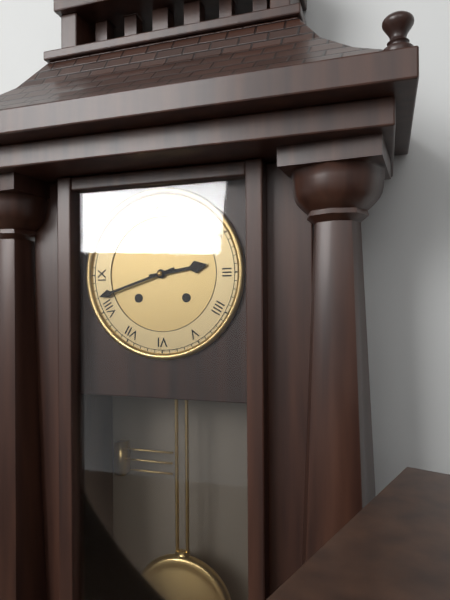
2:42
